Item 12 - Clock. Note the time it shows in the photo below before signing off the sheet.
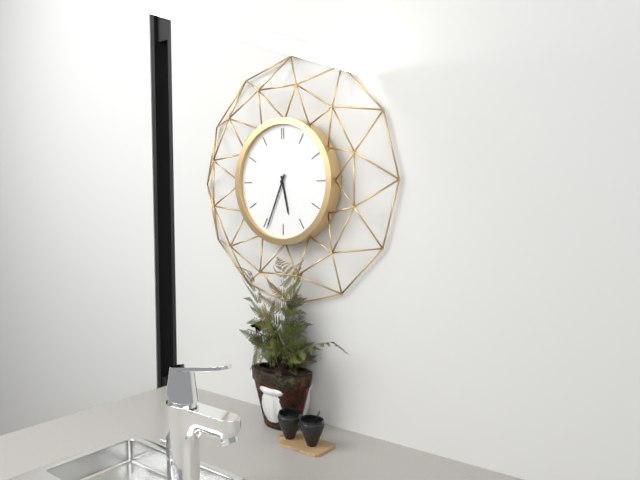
5:34
